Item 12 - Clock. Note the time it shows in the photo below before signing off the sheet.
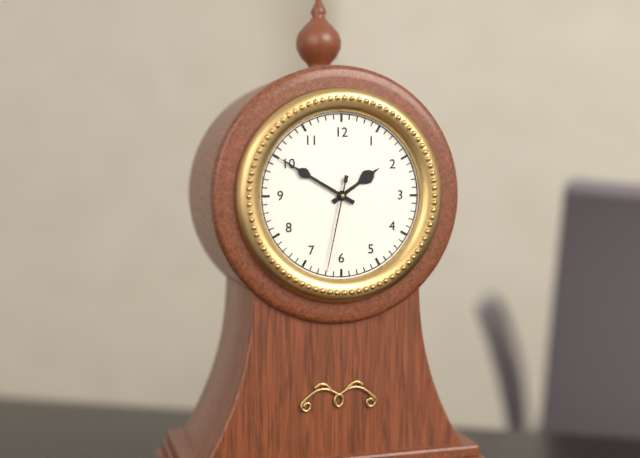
1:50:32
